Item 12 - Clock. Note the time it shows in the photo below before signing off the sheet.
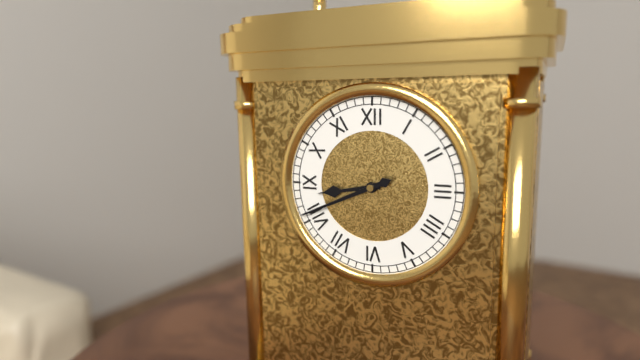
8:41
